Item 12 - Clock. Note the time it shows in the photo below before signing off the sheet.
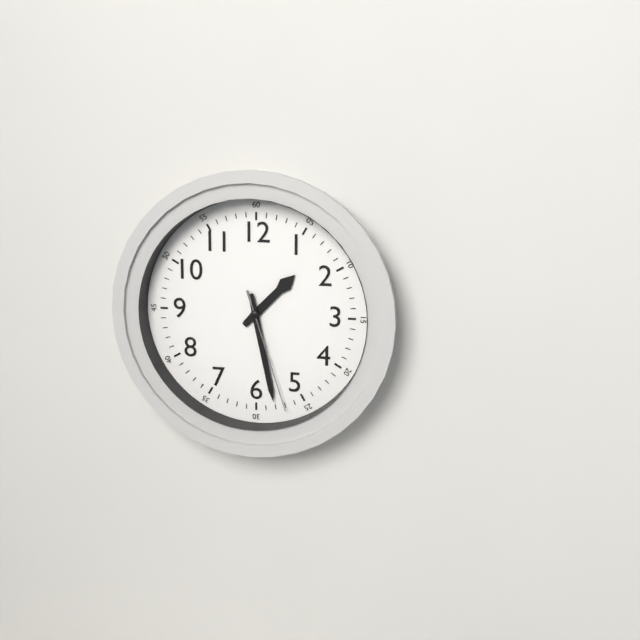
1:28:27
